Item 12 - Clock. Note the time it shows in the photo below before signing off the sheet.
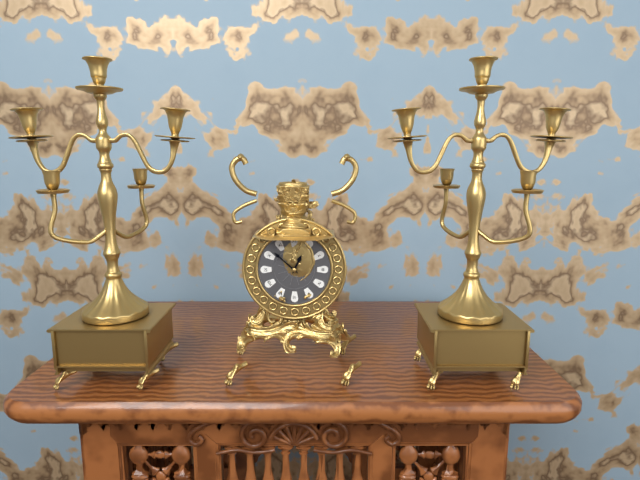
12:52
